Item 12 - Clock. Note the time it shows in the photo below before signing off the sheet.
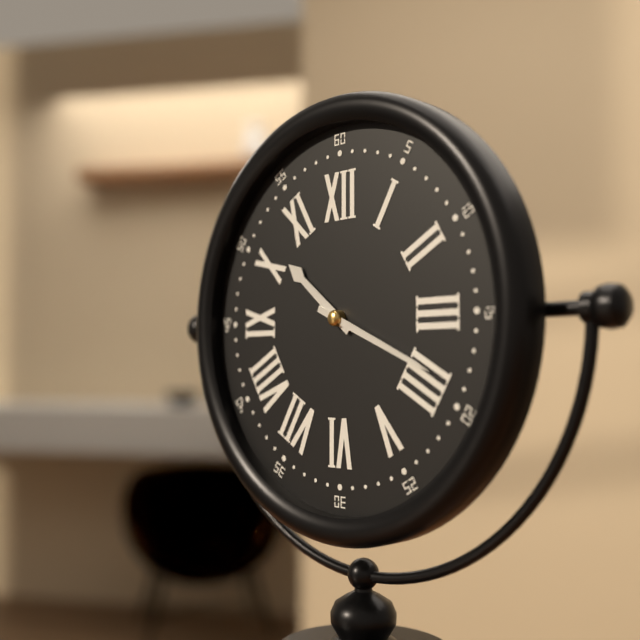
10:19
